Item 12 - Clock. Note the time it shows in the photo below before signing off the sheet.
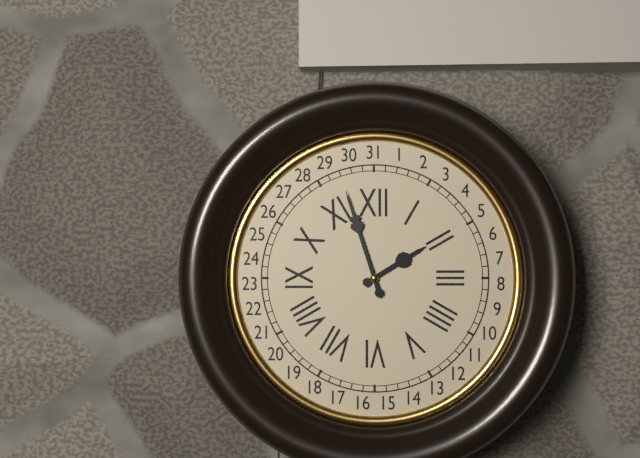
1:57
